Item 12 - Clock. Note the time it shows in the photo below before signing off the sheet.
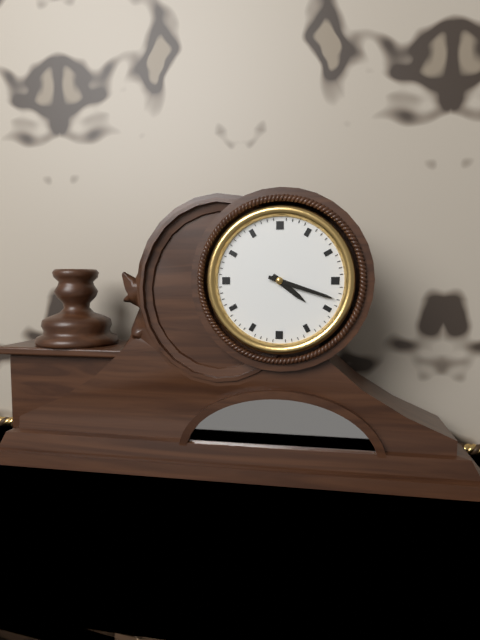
4:18
